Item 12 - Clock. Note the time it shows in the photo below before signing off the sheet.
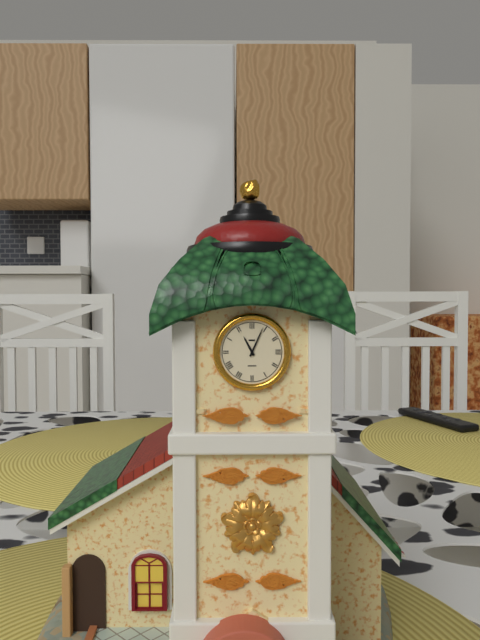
11:04
